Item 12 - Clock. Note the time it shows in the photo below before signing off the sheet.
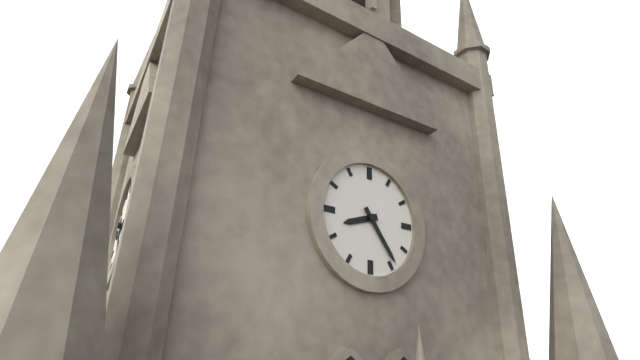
8:24
